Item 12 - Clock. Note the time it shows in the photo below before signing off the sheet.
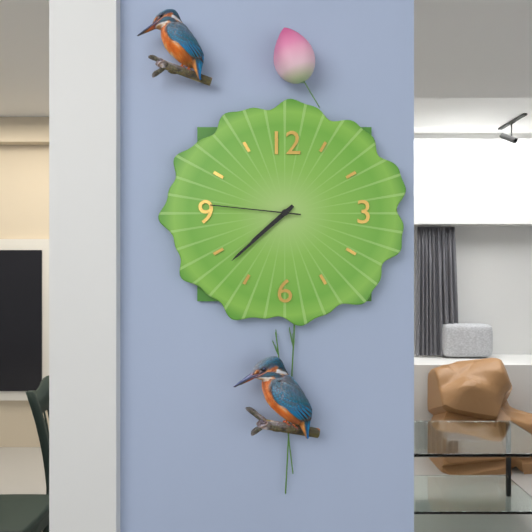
7:38:46
